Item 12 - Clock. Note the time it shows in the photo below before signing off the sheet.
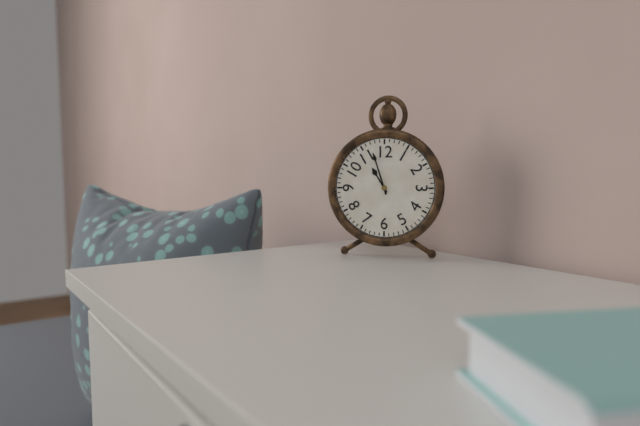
10:57
